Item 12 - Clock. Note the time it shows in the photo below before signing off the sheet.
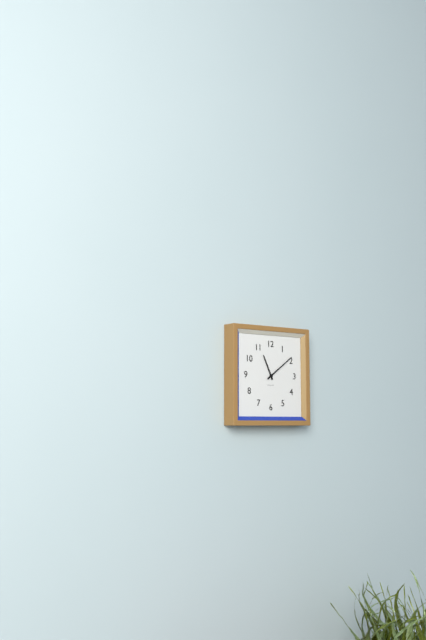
11:09
